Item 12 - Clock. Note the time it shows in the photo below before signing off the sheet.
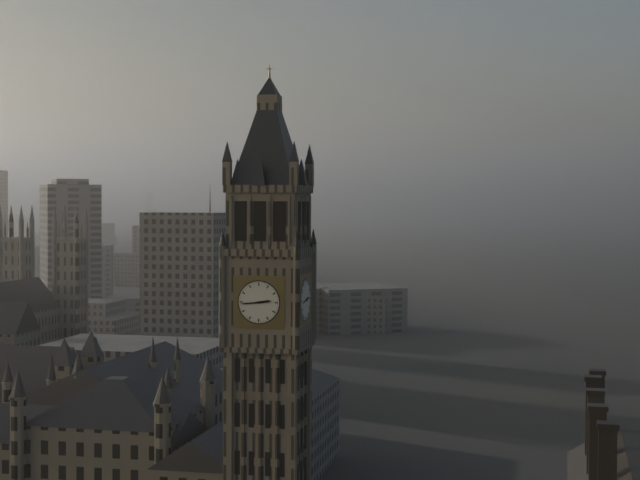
2:44
